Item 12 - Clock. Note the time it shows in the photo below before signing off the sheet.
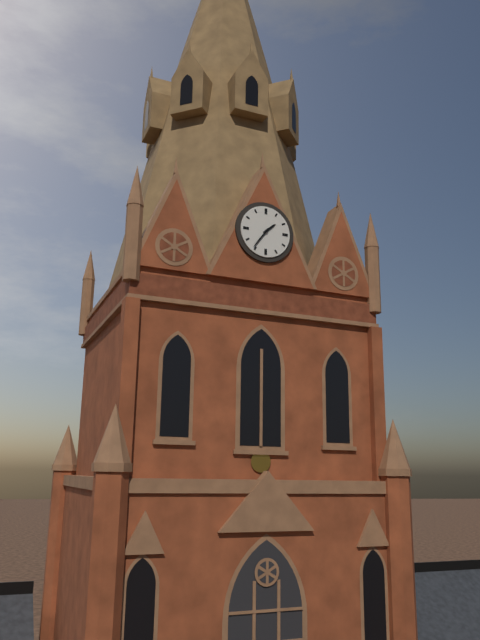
1:36
